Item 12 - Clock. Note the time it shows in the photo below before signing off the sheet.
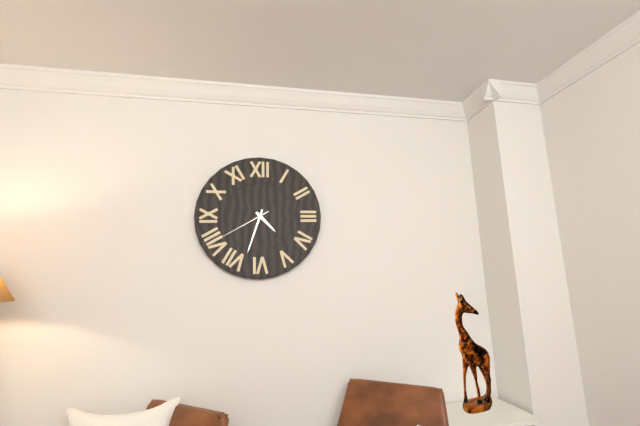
4:33:40
